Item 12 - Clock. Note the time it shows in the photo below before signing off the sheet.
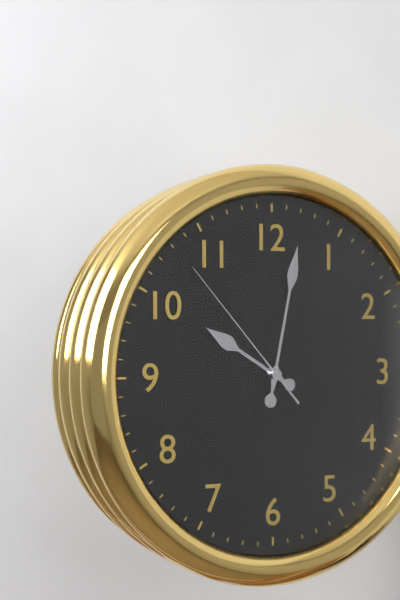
10:02:53
